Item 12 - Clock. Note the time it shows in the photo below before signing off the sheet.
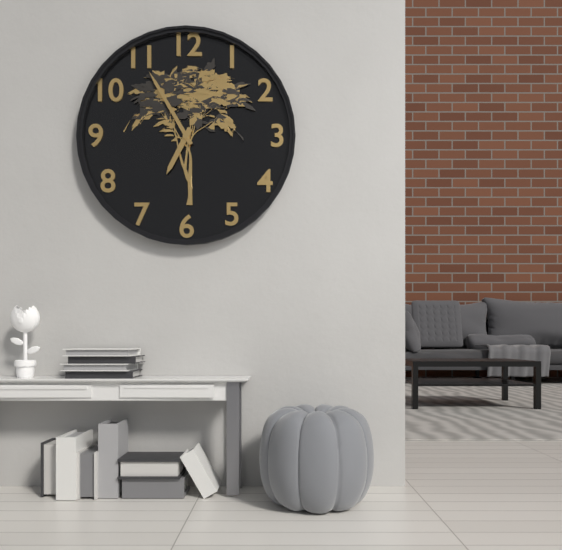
6:55
